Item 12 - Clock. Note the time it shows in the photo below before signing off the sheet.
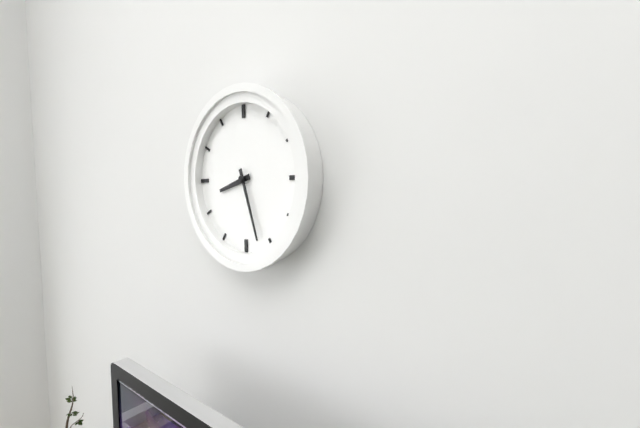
8:27
